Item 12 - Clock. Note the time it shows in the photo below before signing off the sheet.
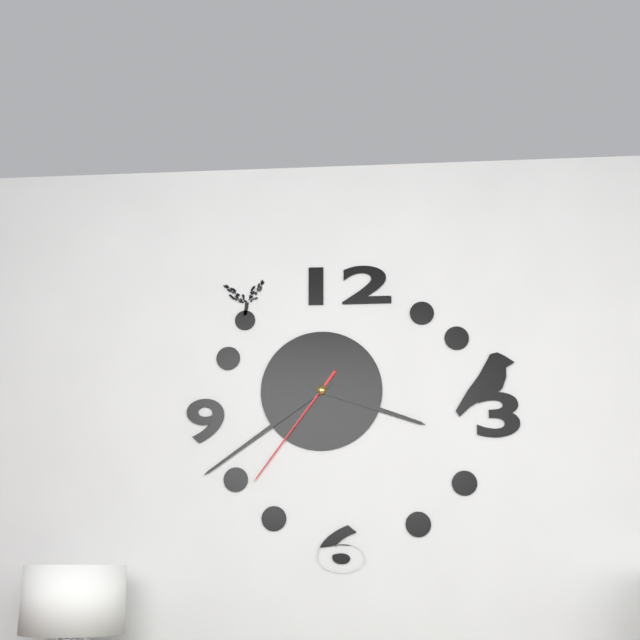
3:39:36
